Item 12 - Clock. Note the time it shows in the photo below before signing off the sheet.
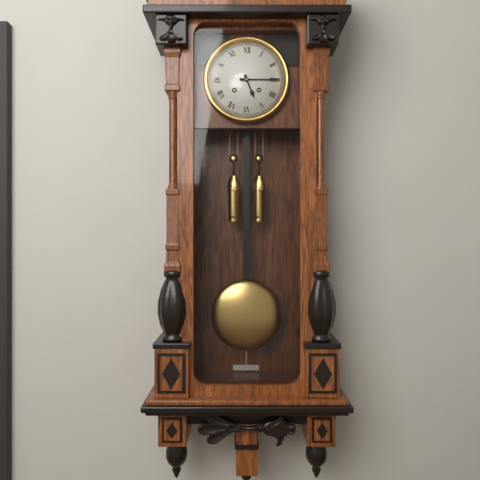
5:15
